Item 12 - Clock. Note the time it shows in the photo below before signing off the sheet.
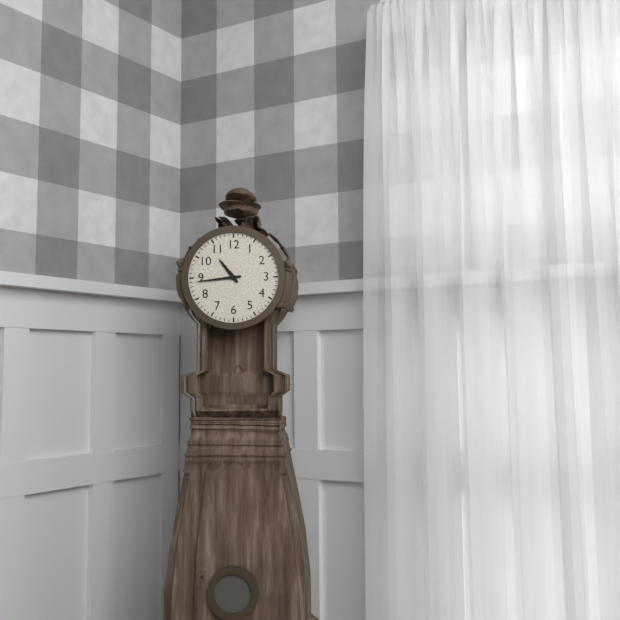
10:44
